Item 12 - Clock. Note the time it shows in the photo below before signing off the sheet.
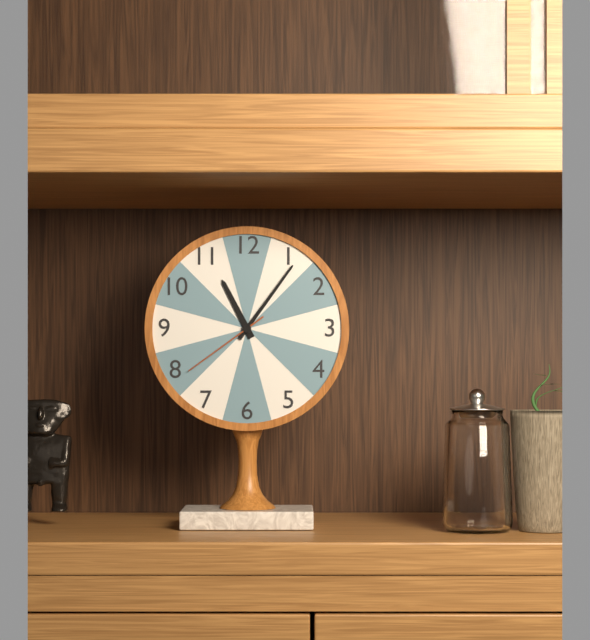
11:06:39
